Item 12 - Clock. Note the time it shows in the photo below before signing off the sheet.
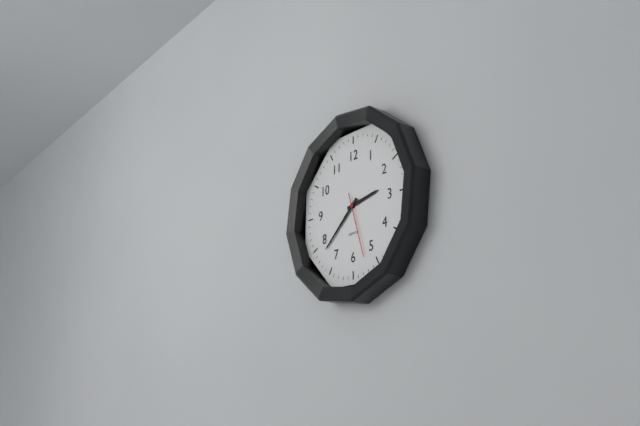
2:38:27
